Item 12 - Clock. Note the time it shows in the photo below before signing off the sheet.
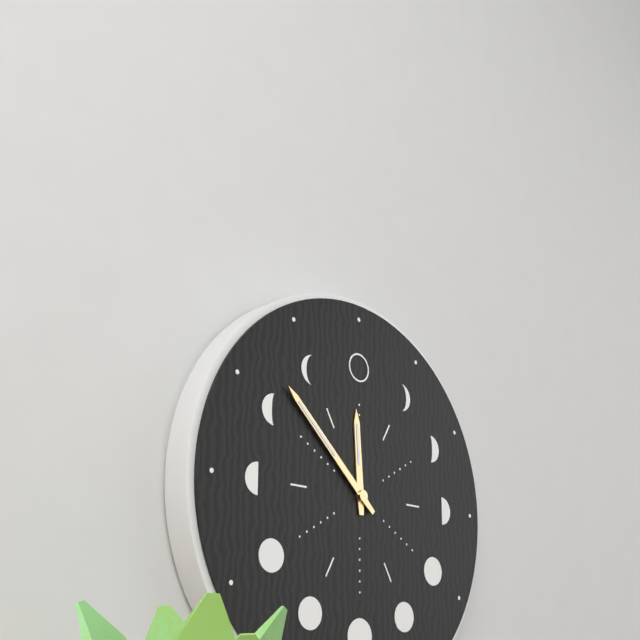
11:52
